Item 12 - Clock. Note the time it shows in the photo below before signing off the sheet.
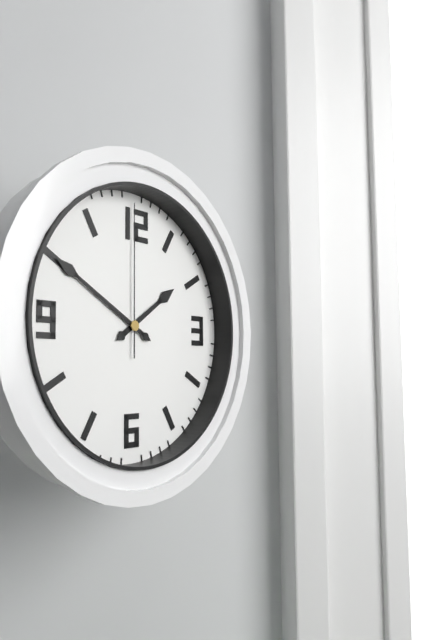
1:50:00
